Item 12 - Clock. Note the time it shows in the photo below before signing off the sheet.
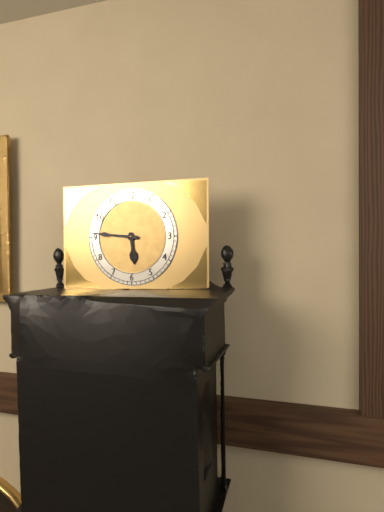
5:46
